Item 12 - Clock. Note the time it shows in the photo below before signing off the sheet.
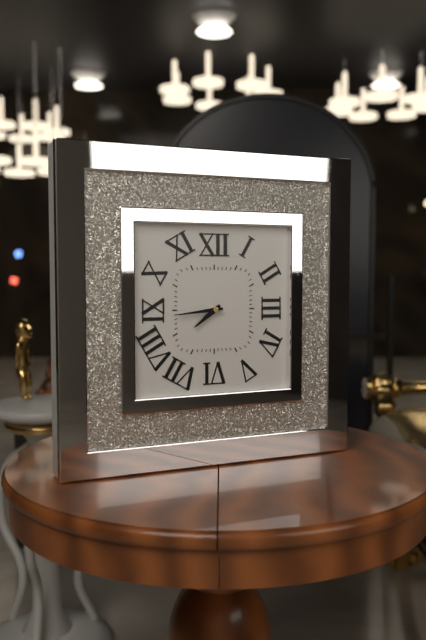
7:44
